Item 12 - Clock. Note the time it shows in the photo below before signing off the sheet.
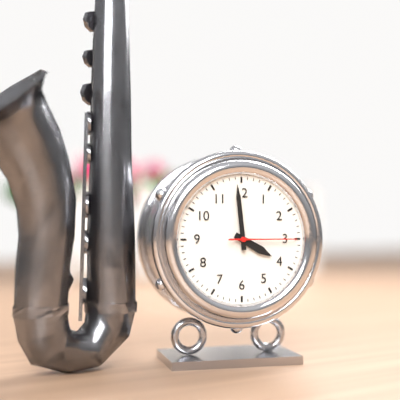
3:59:15
